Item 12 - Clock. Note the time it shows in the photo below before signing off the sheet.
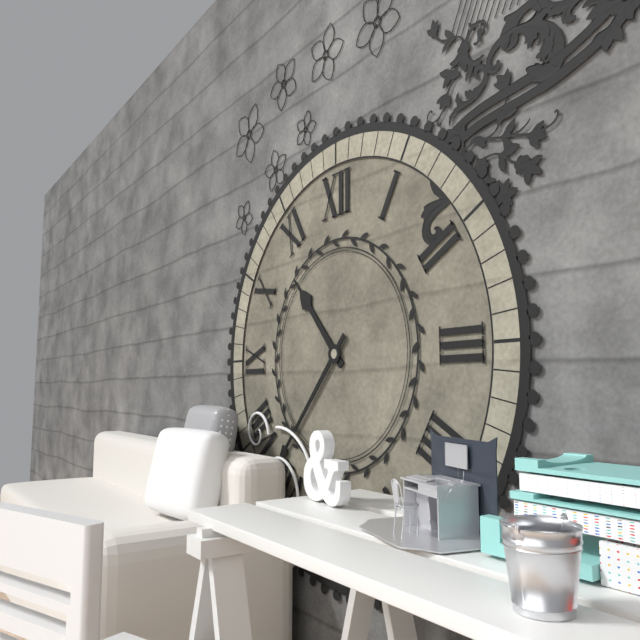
10:37
